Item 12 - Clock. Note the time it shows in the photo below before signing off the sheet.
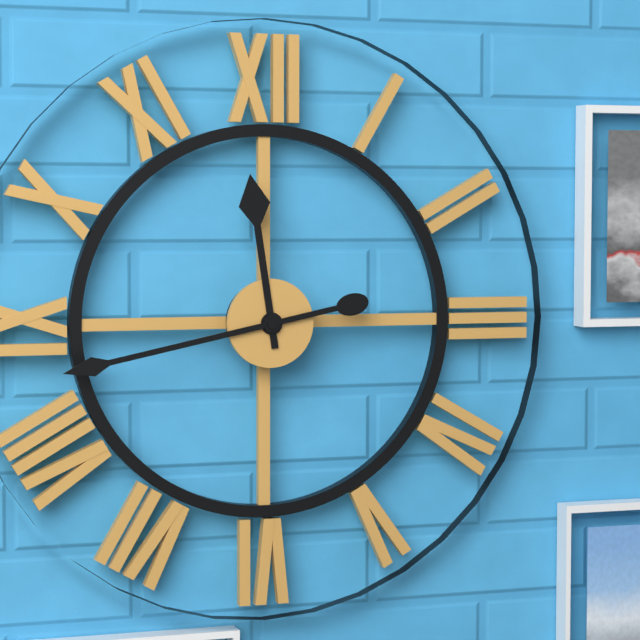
11:43
